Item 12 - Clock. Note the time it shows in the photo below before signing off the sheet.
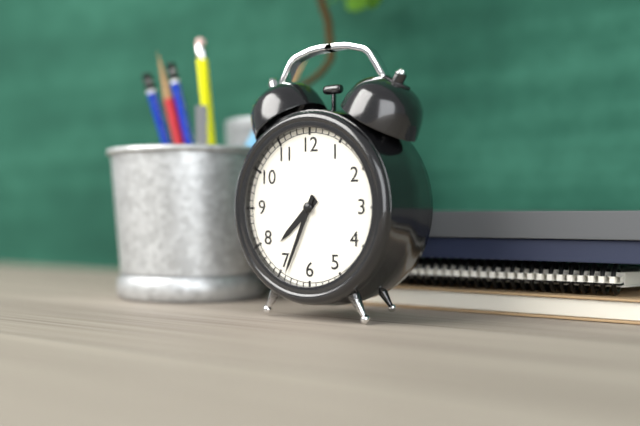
7:34
